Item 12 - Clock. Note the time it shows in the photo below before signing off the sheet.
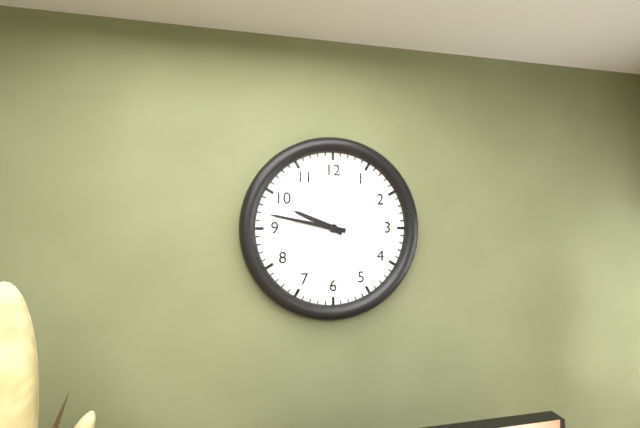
9:47
